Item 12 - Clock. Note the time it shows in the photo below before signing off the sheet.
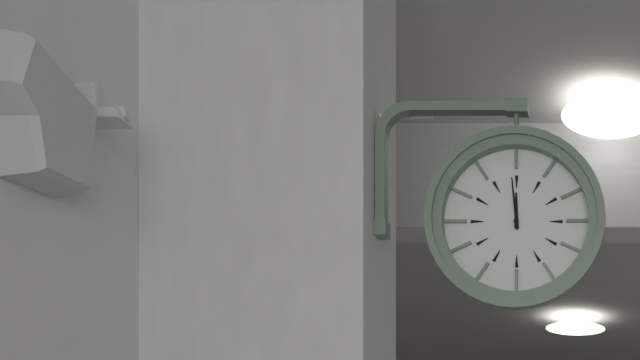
11:59
